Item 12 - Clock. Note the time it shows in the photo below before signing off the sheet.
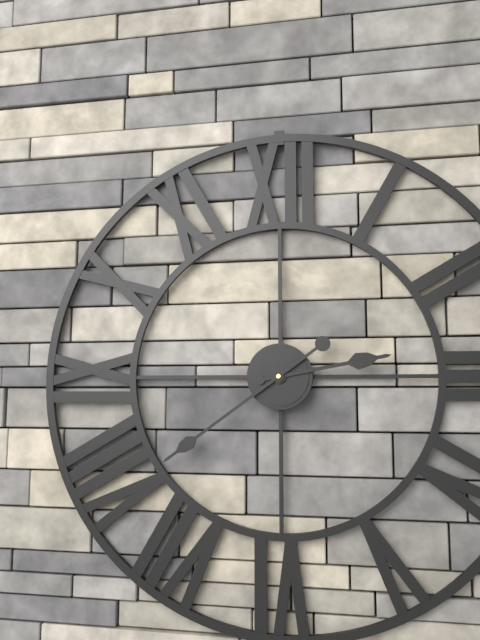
2:39
